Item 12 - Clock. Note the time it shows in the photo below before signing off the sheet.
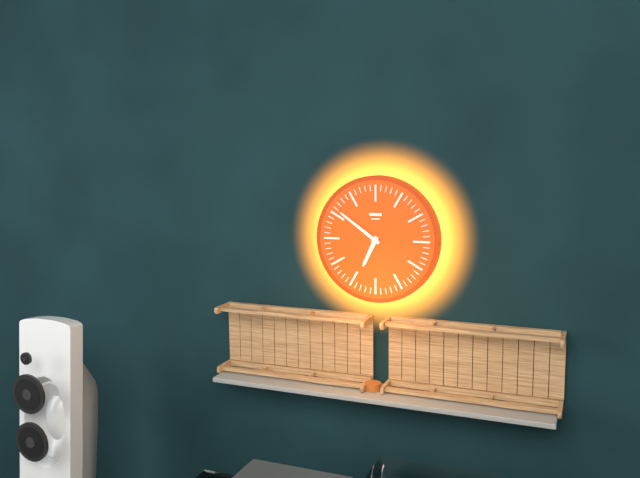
6:51
